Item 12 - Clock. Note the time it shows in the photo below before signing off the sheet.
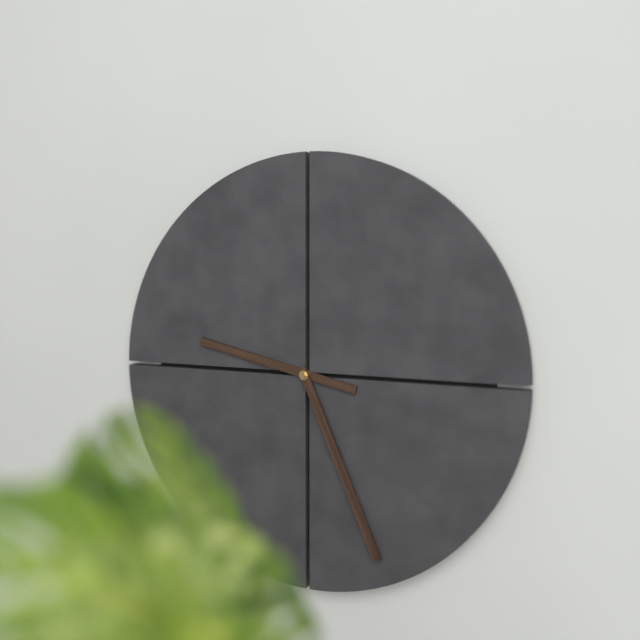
9:26
